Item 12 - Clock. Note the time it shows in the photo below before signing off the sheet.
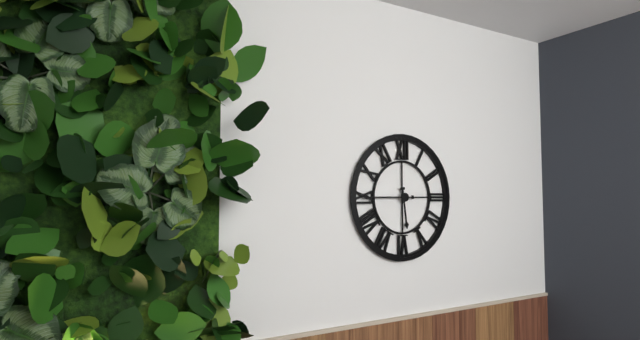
5:45
